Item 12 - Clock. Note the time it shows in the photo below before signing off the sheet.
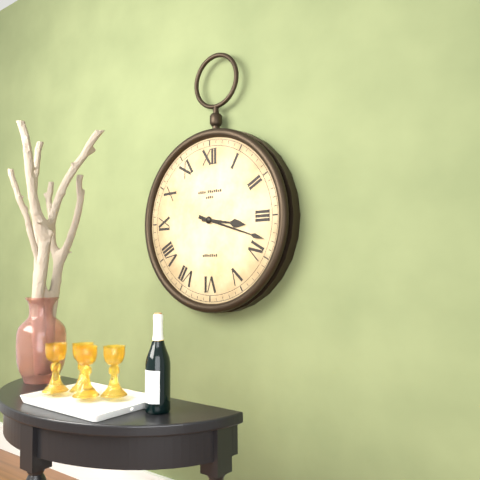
3:18
